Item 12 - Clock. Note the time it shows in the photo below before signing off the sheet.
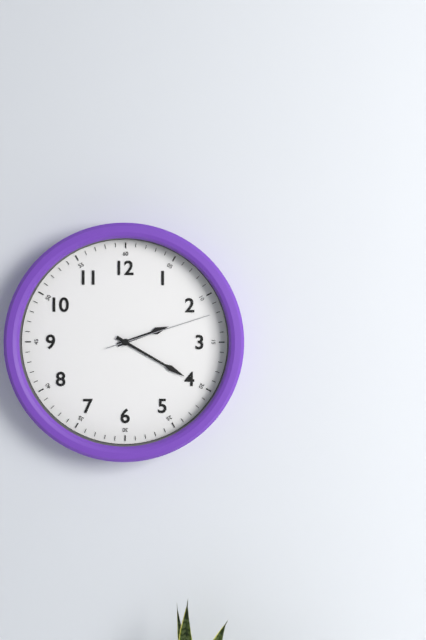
2:20:12
